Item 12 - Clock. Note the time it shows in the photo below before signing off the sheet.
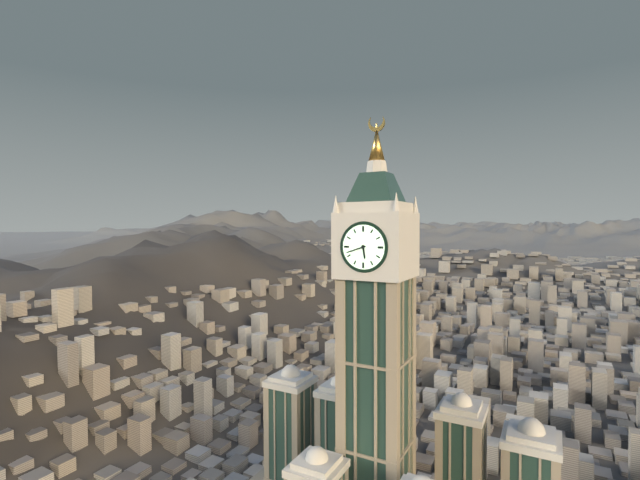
5:42
